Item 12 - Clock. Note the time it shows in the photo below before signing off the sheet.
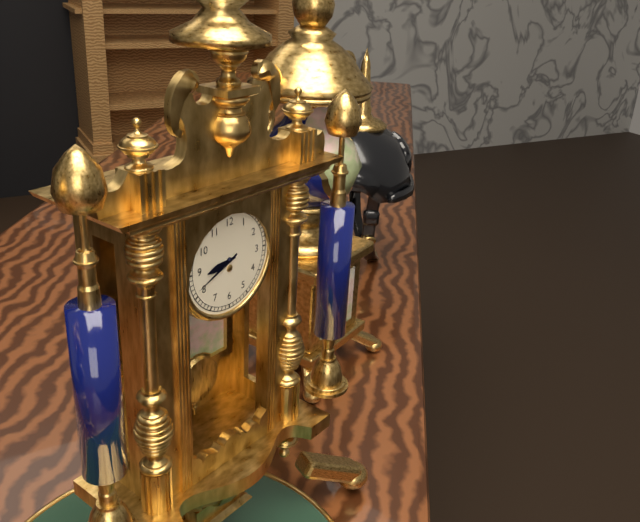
8:41
